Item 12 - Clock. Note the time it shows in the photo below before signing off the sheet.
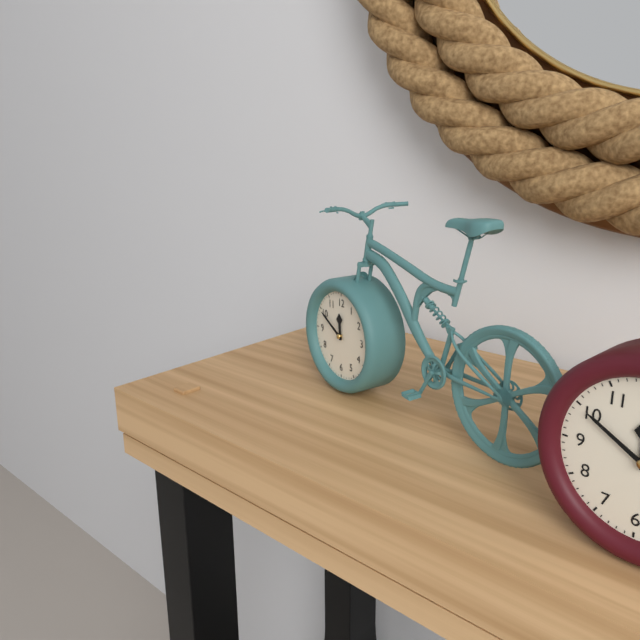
11:50
